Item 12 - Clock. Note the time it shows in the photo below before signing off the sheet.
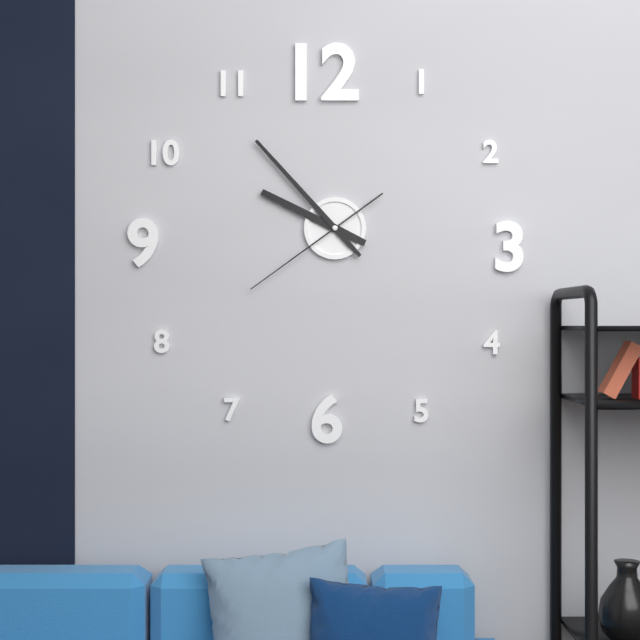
9:53:39
